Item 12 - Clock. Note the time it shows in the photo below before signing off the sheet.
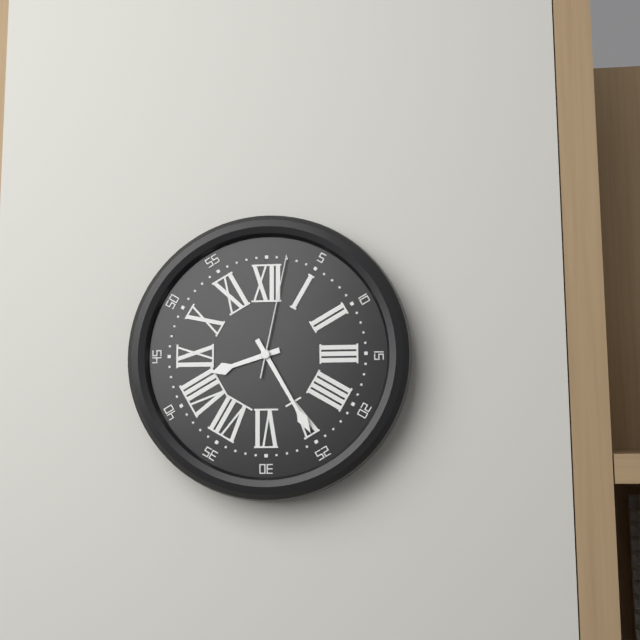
8:25:02
